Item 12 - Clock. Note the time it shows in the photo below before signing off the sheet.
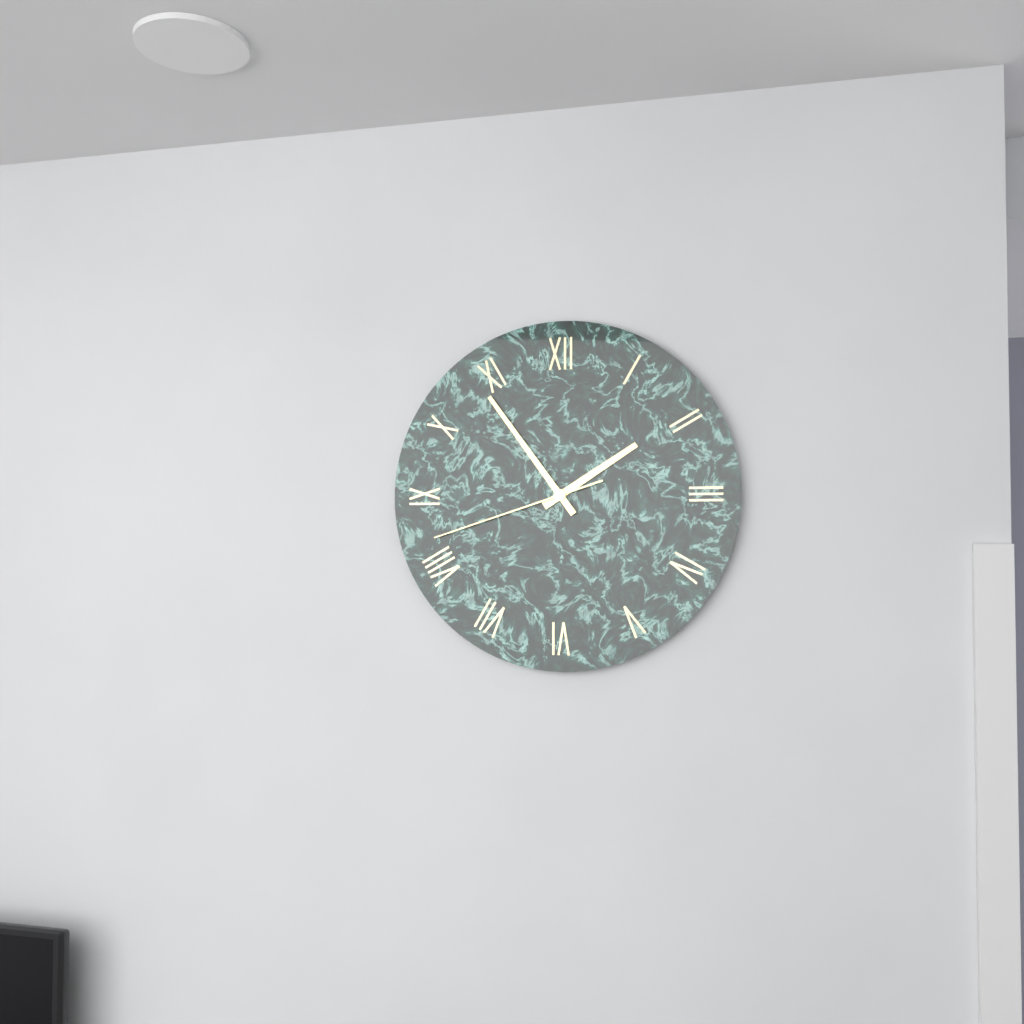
1:54:42
